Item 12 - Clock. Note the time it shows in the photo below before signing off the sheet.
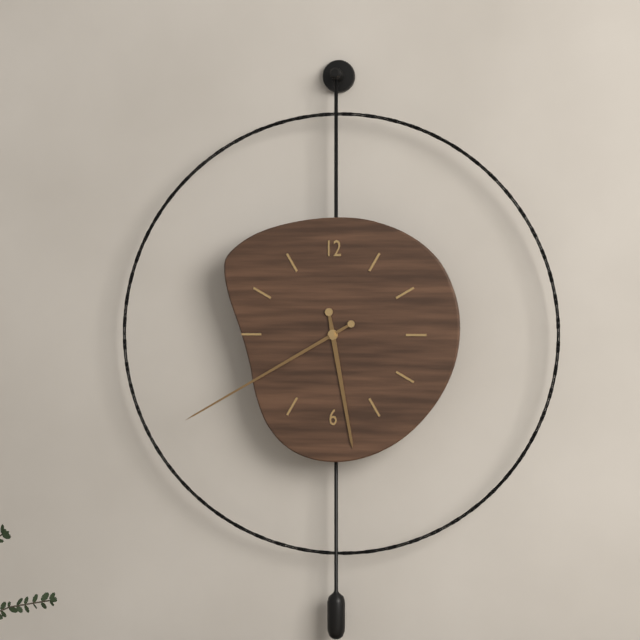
5:40
